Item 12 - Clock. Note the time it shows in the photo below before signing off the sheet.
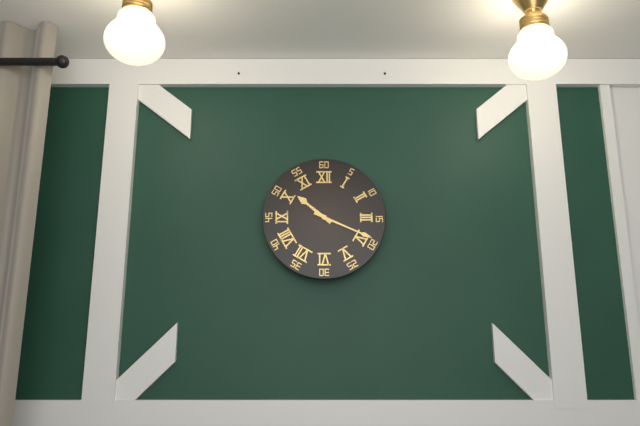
10:19
